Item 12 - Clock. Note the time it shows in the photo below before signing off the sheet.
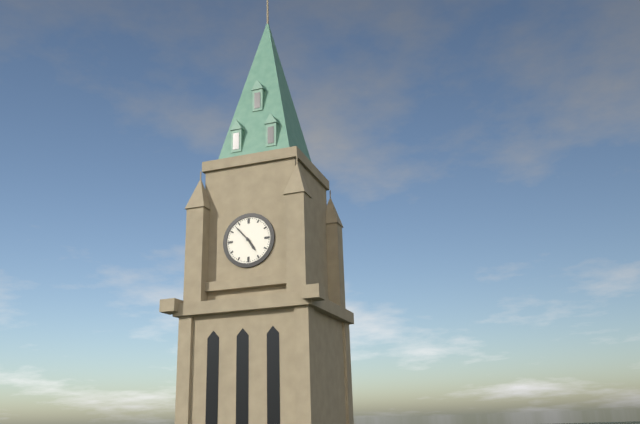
4:53
